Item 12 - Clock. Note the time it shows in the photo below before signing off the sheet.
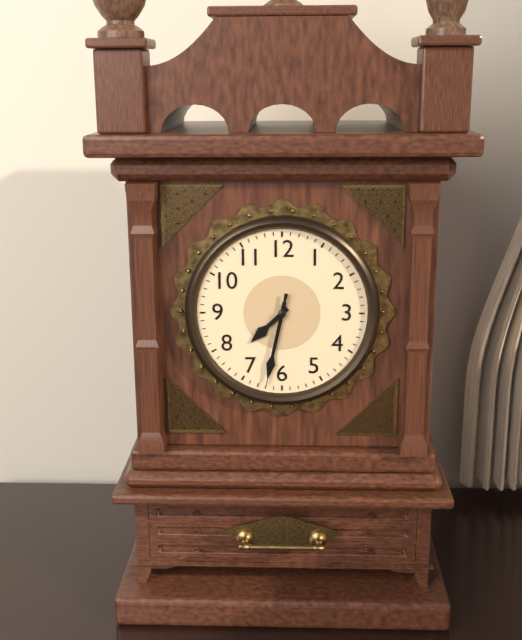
7:32:32
